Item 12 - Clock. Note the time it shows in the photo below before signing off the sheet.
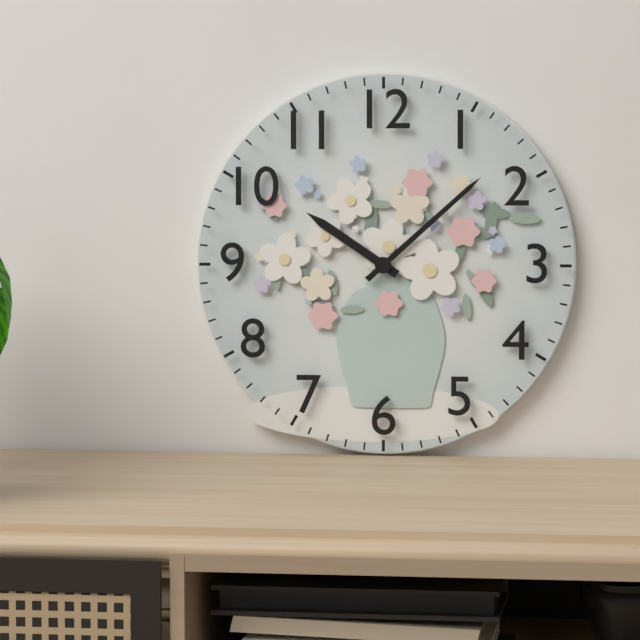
10:08
